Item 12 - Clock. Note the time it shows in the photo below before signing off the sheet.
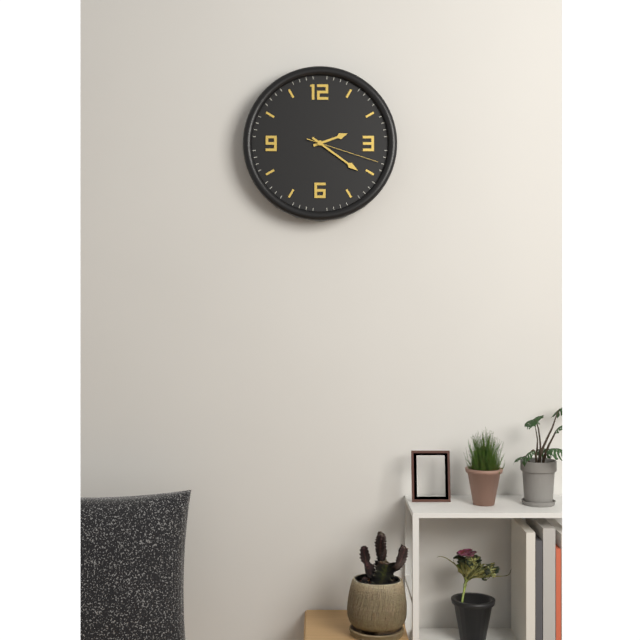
2:21:18
